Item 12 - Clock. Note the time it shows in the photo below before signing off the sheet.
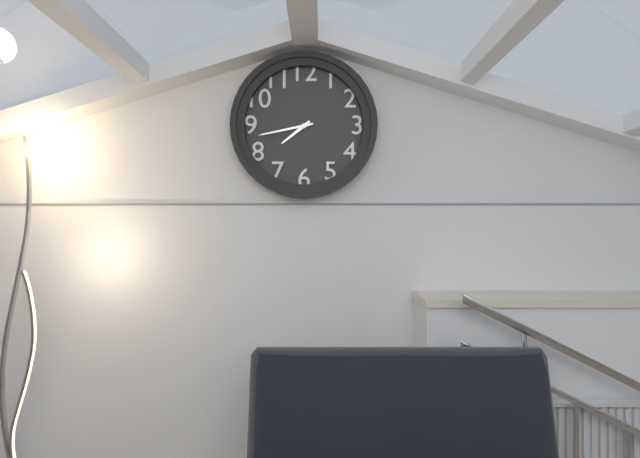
7:43
